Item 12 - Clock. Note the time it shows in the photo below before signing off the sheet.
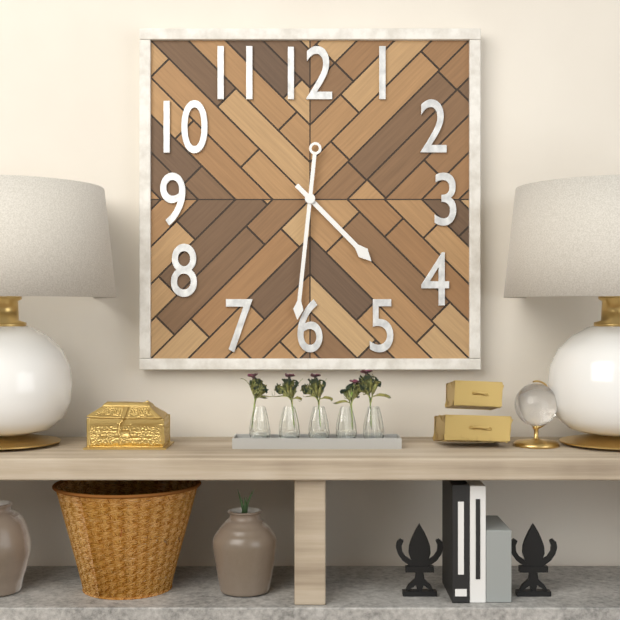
4:31
